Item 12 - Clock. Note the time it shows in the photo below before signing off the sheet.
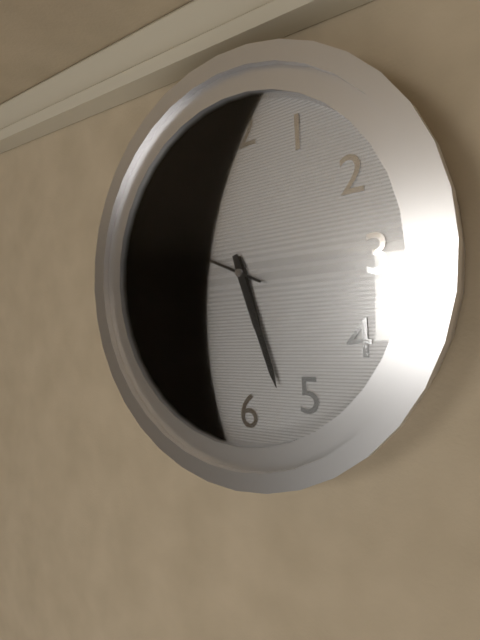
5:27:49
